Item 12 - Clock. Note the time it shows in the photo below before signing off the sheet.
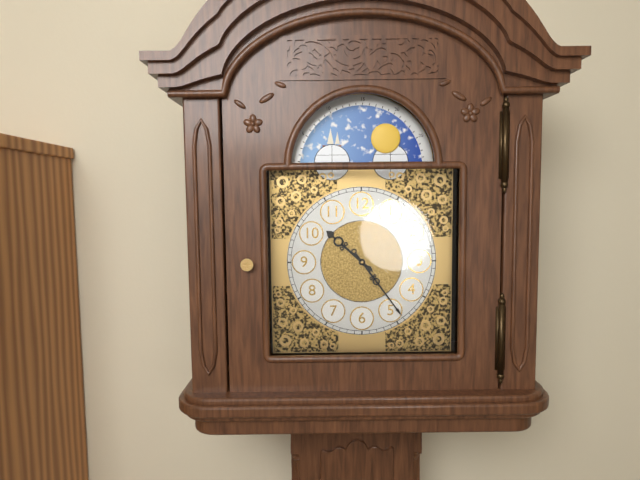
10:24
